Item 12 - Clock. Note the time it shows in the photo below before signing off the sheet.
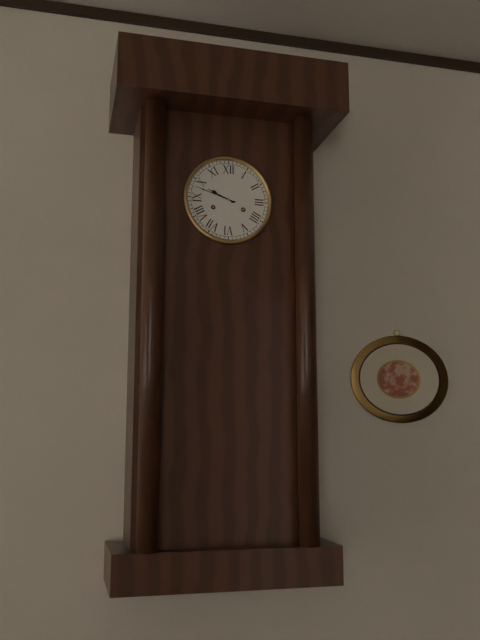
9:48
